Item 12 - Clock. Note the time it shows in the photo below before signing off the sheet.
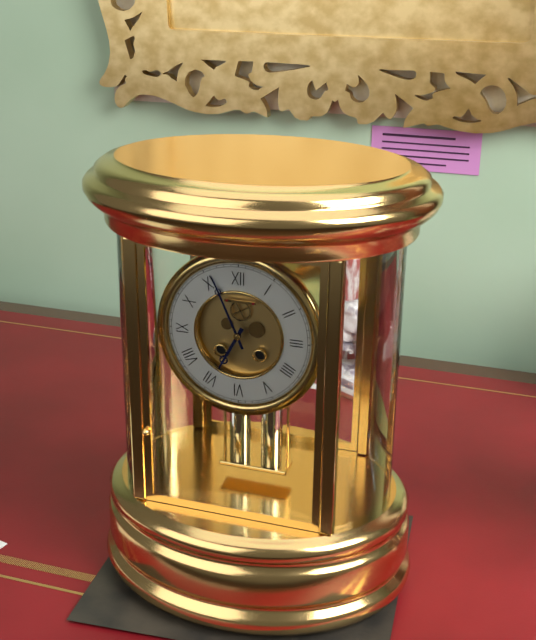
6:56
